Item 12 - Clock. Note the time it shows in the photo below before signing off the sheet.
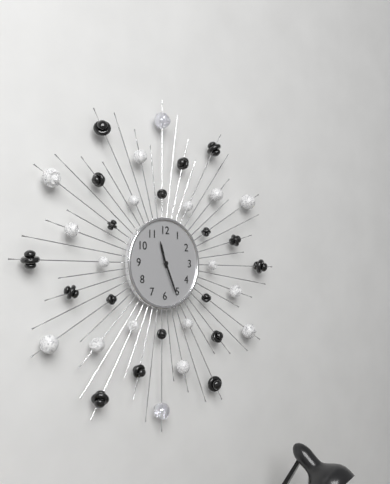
11:26
